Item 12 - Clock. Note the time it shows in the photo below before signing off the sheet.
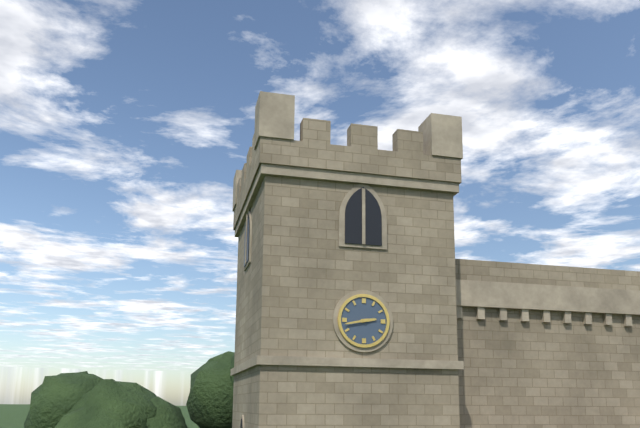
2:43
